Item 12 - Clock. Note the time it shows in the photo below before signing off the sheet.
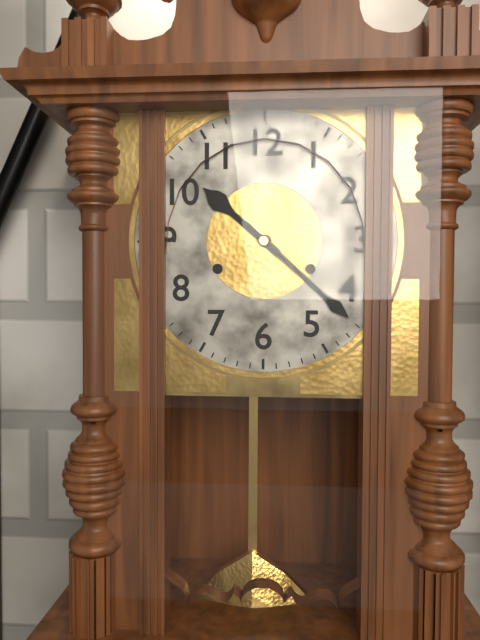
10:22
